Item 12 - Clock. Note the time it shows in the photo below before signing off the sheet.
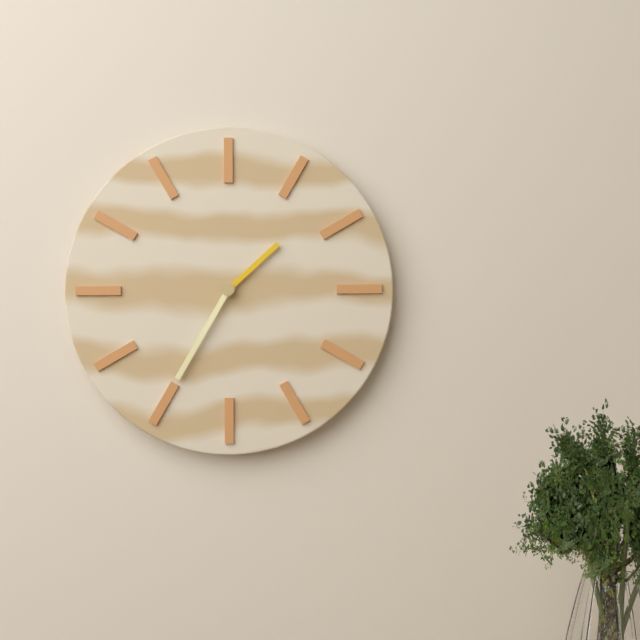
1:35
